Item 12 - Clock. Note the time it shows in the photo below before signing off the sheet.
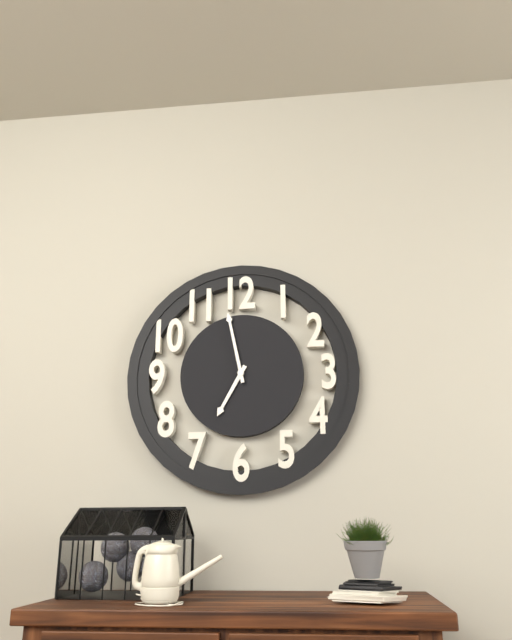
6:58
